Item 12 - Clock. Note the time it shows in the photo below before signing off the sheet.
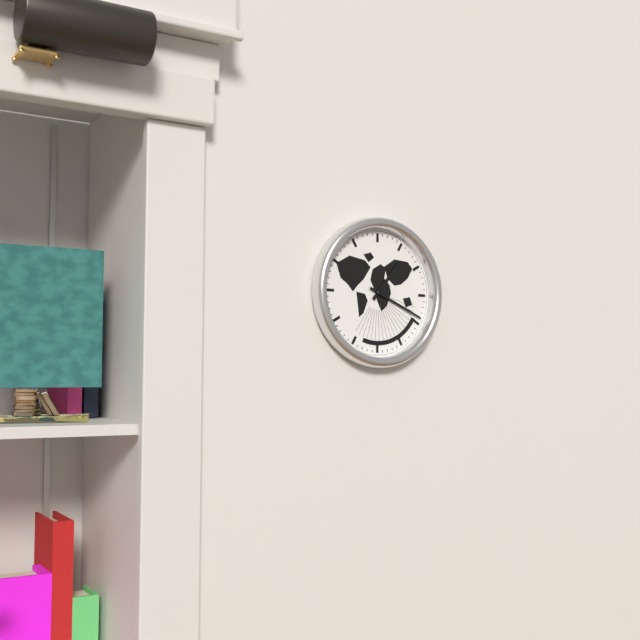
1:19
